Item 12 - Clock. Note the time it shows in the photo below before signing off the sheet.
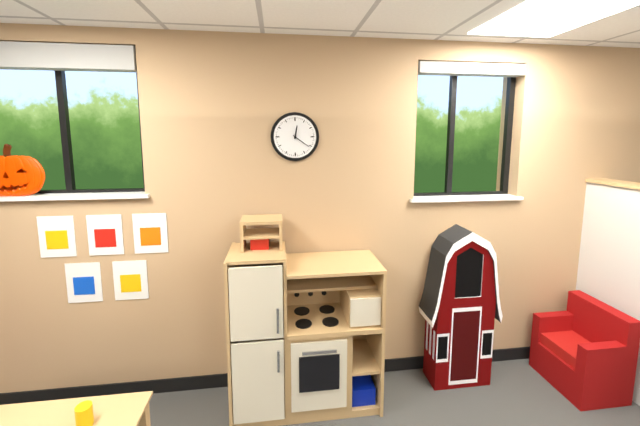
12:21
